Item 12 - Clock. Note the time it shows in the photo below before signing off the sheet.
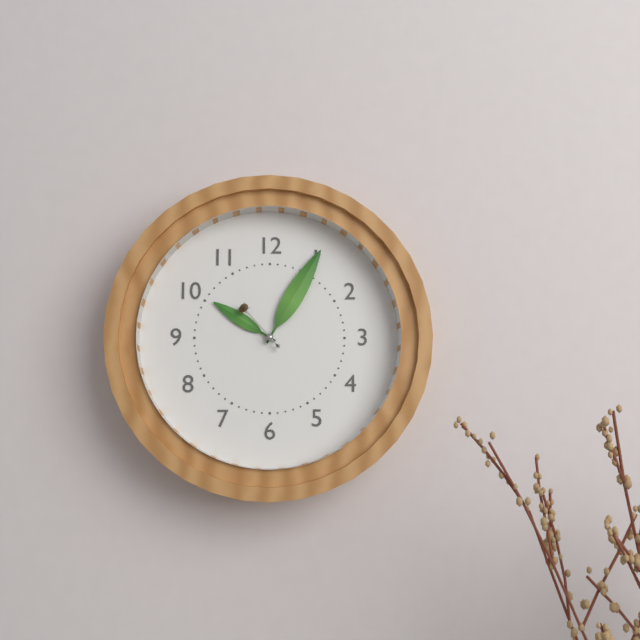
10:05:53
